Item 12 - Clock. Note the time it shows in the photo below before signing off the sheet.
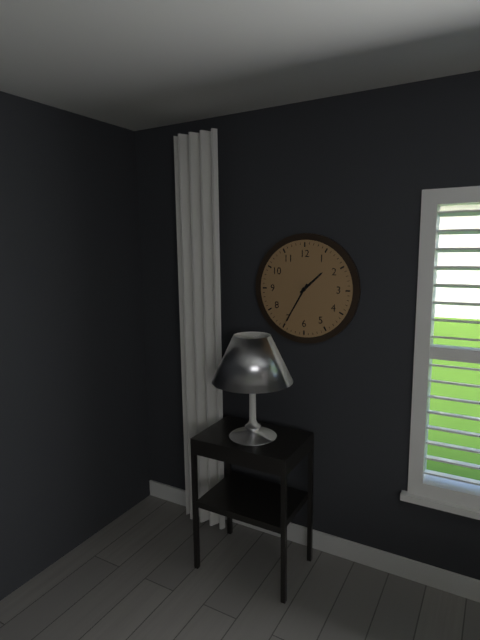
1:35
